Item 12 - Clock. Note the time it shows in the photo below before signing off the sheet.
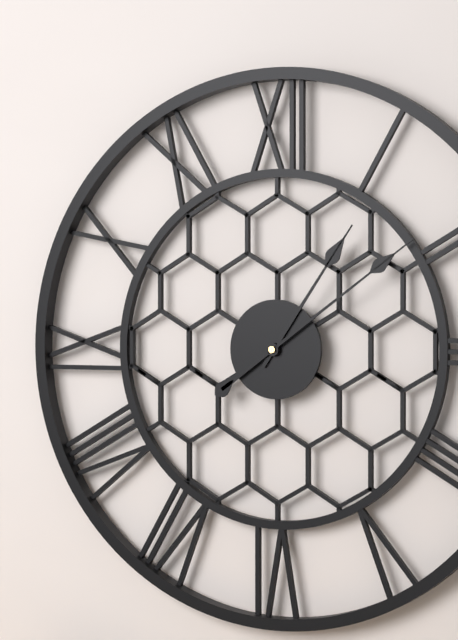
1:09
